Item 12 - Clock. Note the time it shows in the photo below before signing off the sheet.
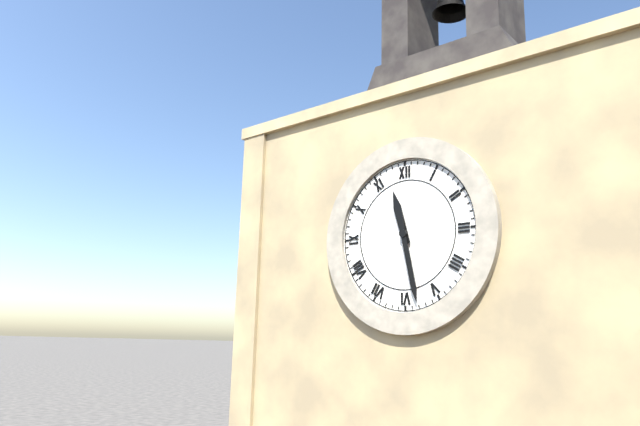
11:28
